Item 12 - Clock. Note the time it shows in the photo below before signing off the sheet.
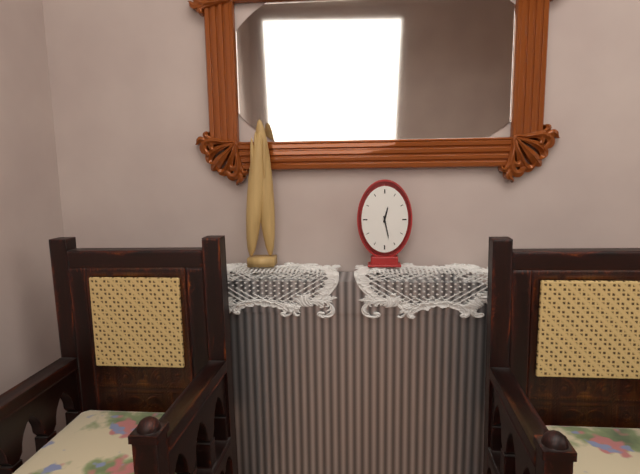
12:28
